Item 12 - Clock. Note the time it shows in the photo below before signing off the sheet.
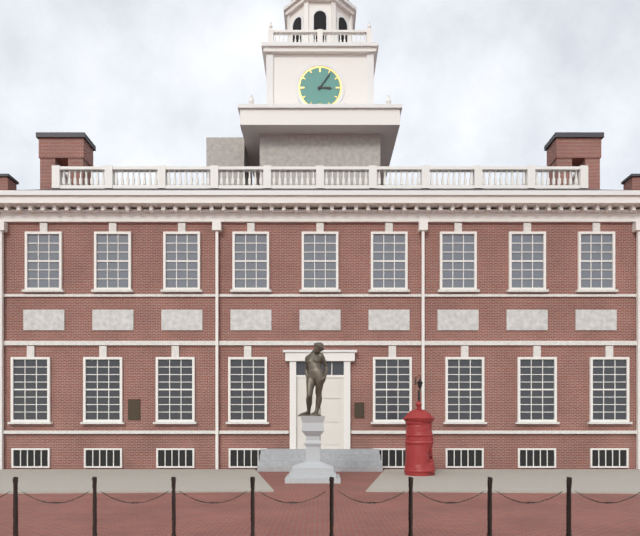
3:06
